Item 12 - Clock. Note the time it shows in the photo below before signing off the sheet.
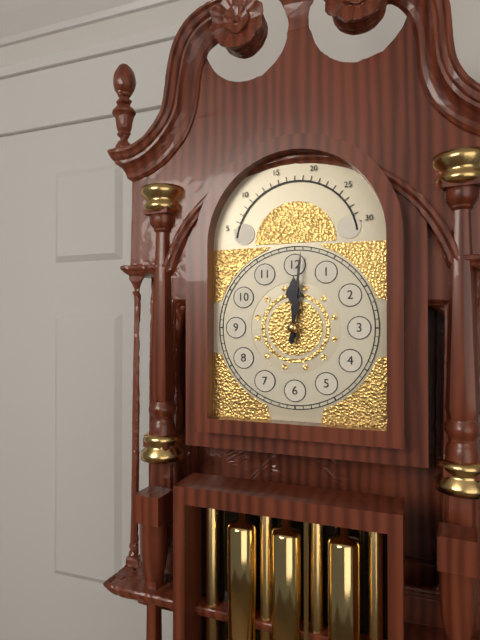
12:01
